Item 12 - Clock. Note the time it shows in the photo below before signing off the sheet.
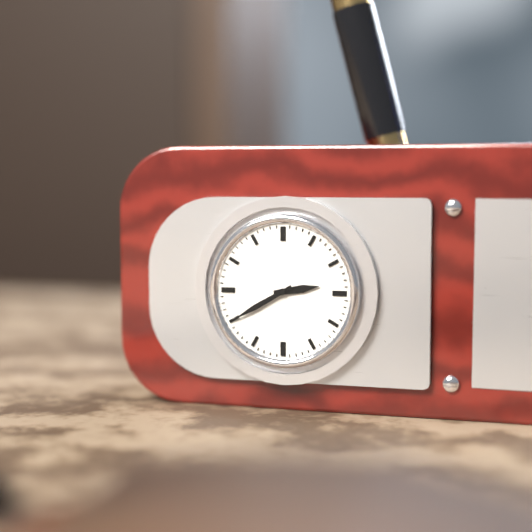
2:40
